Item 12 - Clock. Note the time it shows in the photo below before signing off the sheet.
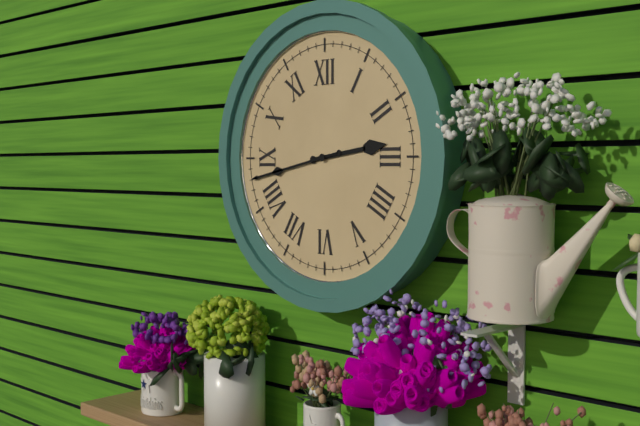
2:43
